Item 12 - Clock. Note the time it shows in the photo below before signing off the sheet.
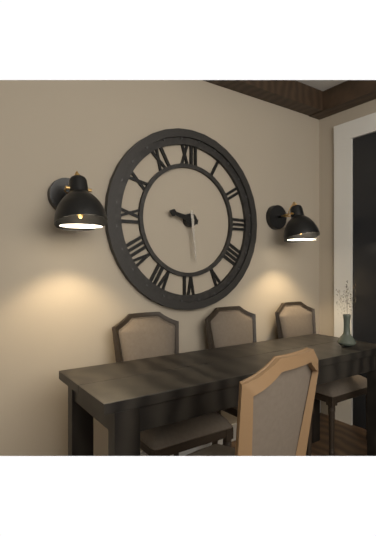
9:29
